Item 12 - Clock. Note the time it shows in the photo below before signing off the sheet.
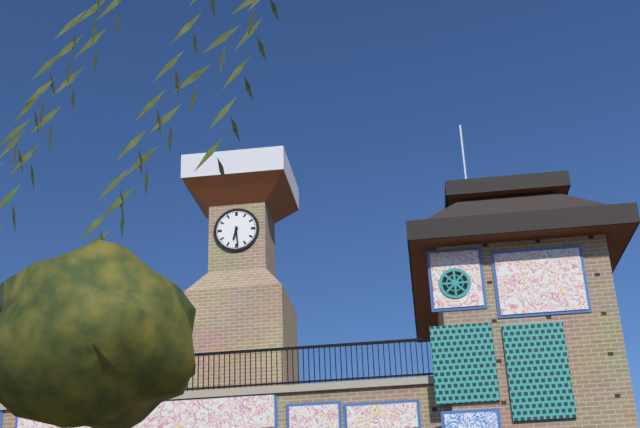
6:29
